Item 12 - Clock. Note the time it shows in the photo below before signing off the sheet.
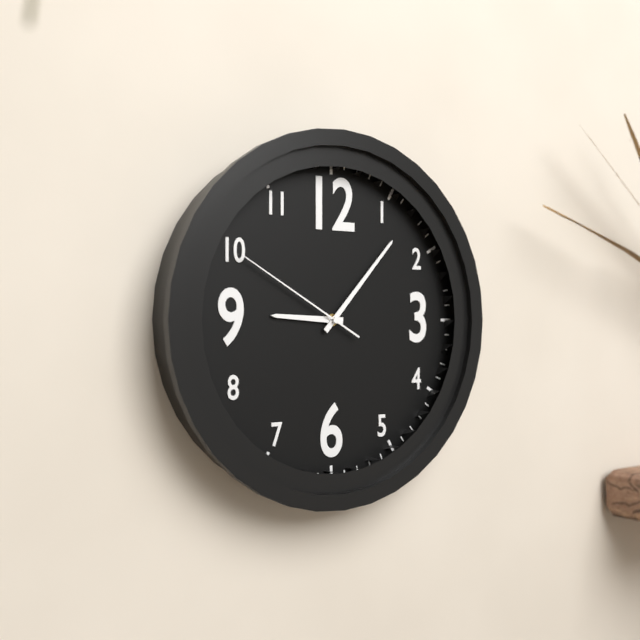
9:07:50
